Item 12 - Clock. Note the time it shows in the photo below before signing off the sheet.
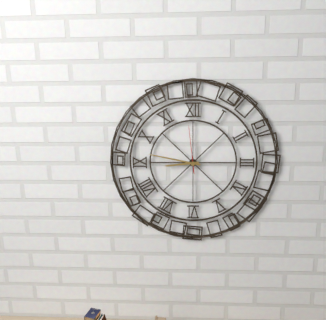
8:47:59
